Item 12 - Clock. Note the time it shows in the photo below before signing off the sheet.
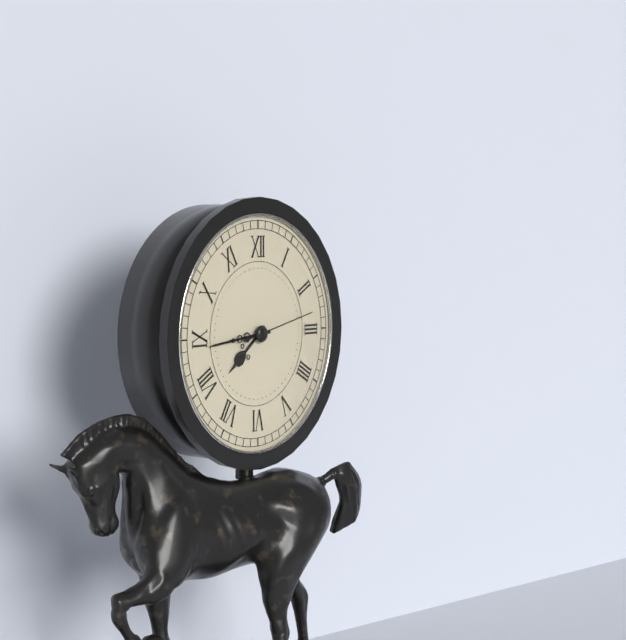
7:44:13
